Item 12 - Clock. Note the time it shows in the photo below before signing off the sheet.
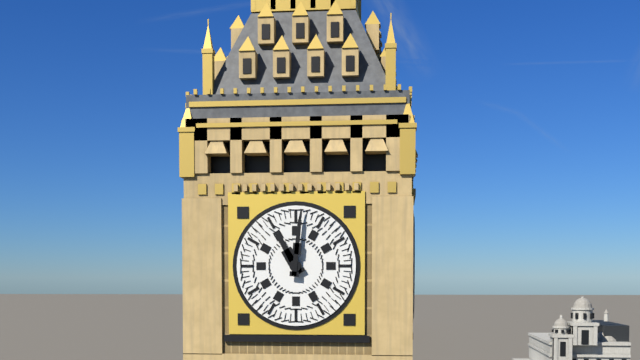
11:01
